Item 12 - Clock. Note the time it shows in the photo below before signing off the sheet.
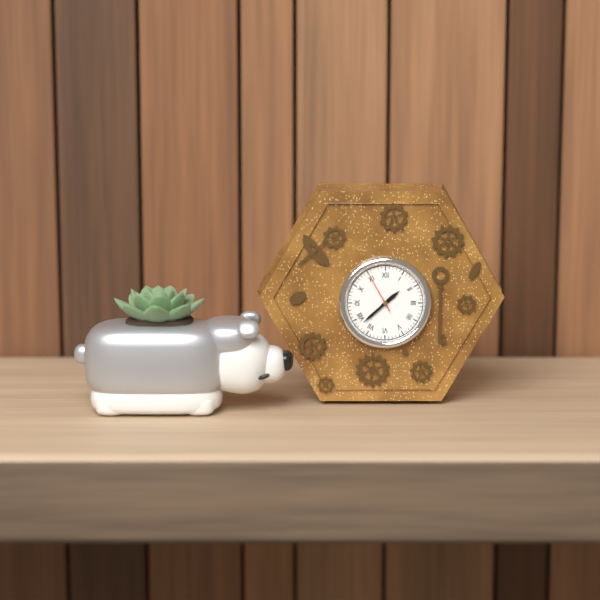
1:38
